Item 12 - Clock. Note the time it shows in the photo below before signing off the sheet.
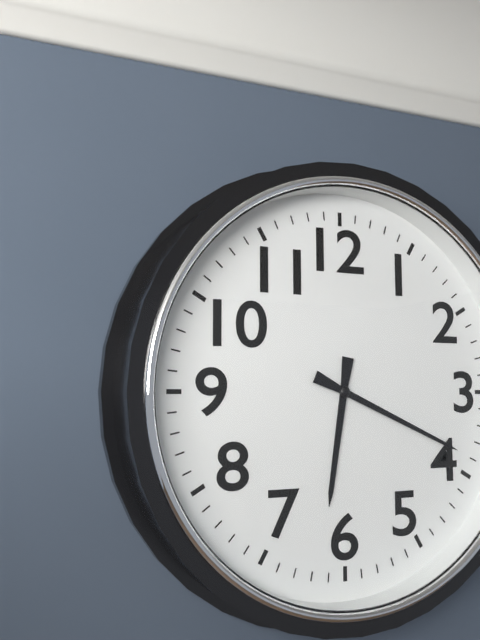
6:19
